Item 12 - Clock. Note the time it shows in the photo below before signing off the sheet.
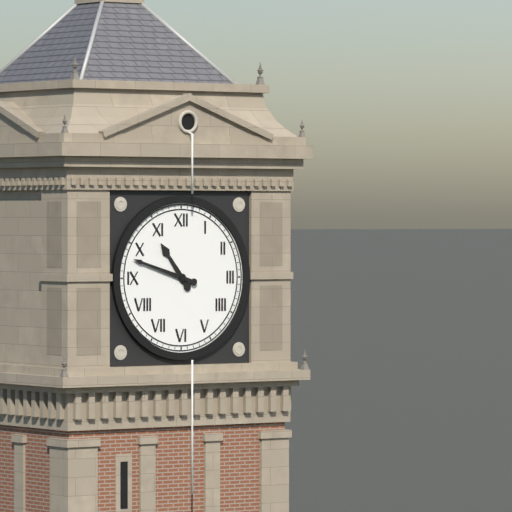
10:48
